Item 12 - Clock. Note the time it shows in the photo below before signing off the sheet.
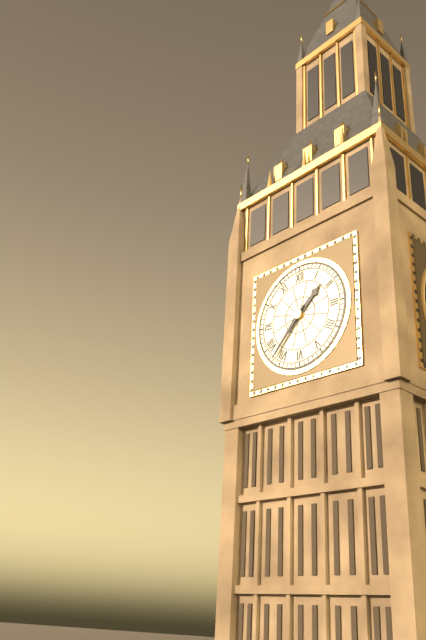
1:37
